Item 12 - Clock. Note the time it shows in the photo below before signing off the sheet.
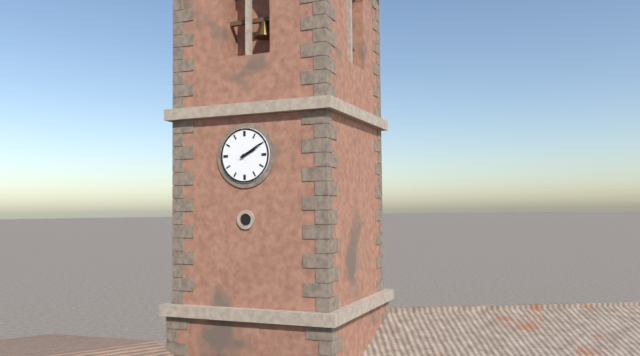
2:10
